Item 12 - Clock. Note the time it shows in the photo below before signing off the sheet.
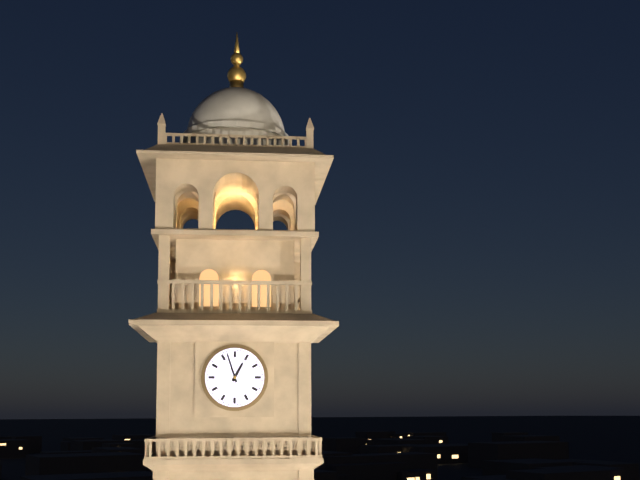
12:57
